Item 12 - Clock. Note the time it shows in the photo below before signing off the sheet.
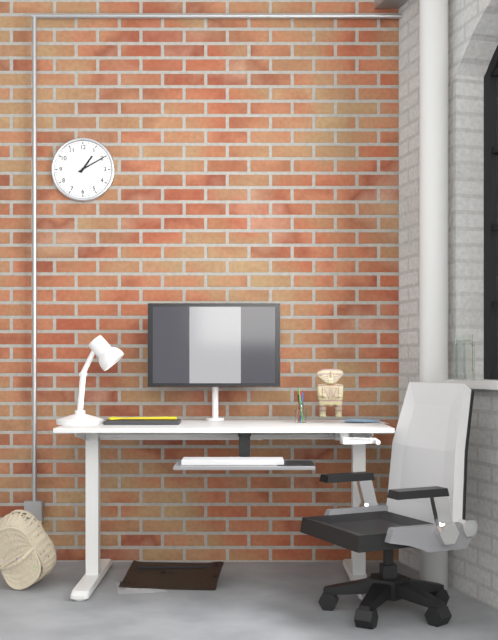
1:10
